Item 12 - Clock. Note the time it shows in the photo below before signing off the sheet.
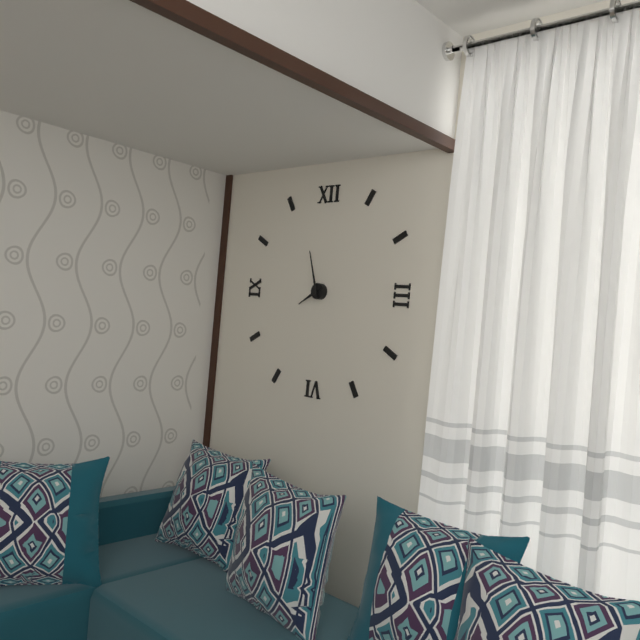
7:57
